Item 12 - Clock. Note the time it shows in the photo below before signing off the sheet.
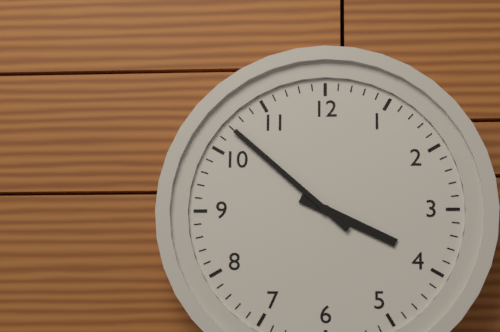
3:52
